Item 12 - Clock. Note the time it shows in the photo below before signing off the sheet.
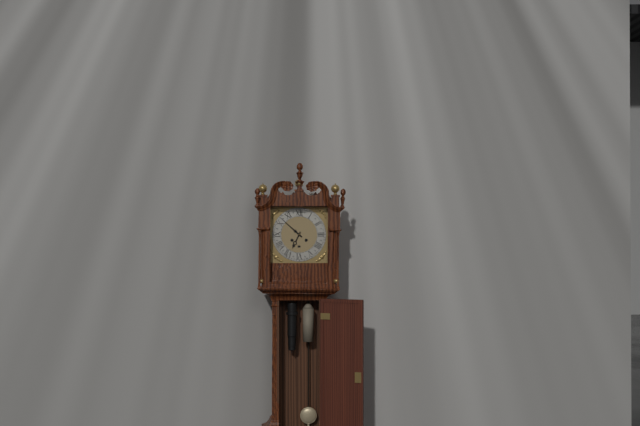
6:52
